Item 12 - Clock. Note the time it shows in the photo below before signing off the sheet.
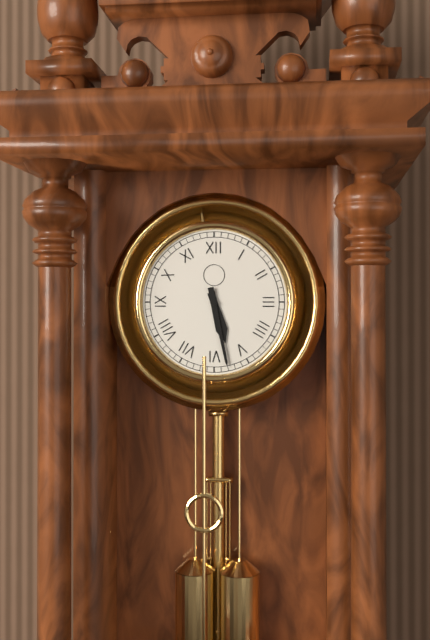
5:28
